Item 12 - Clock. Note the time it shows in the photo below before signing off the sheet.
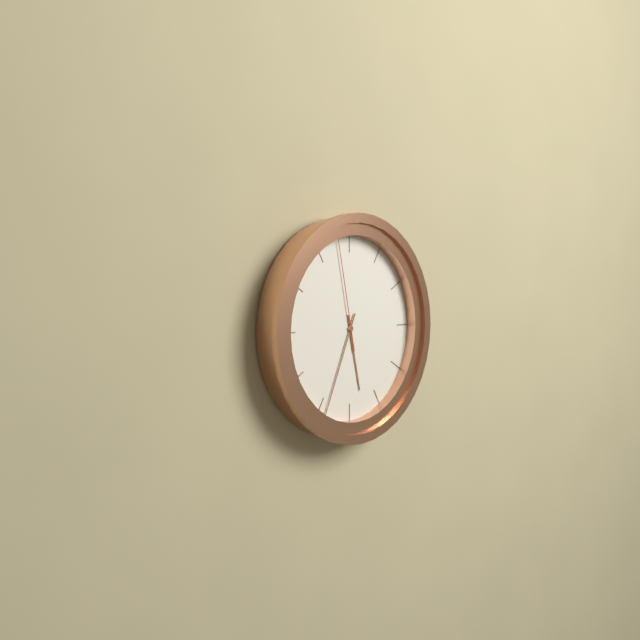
5:34:58
